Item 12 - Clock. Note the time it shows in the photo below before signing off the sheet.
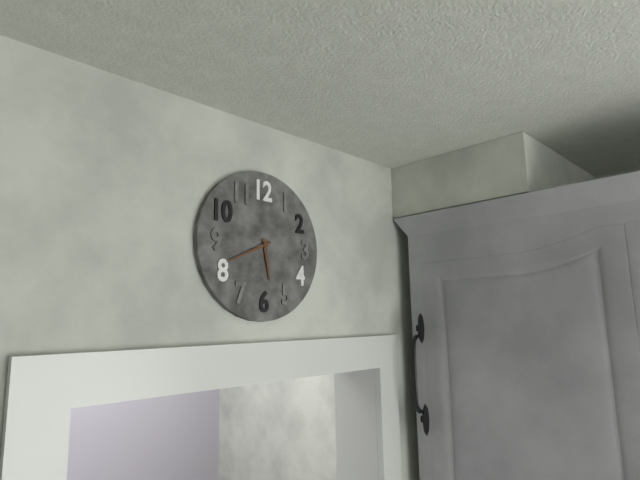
5:41
